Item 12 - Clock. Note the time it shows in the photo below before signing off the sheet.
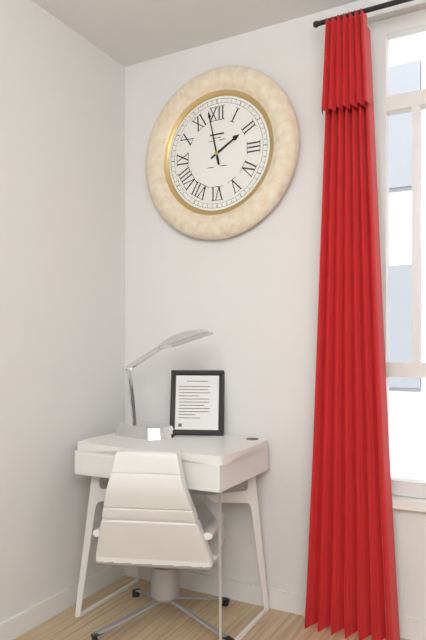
1:58
